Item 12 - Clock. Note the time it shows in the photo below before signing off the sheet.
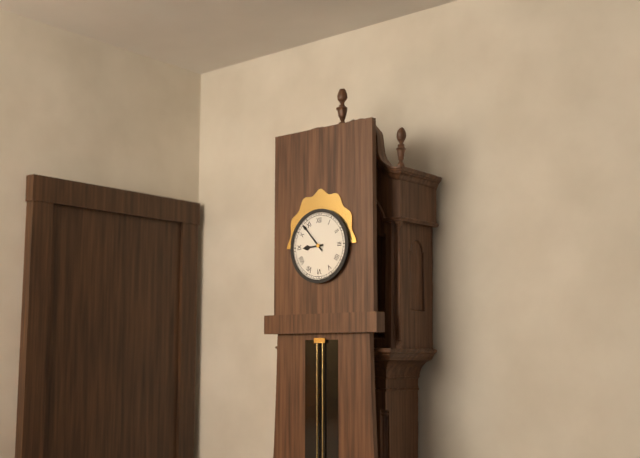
8:53
